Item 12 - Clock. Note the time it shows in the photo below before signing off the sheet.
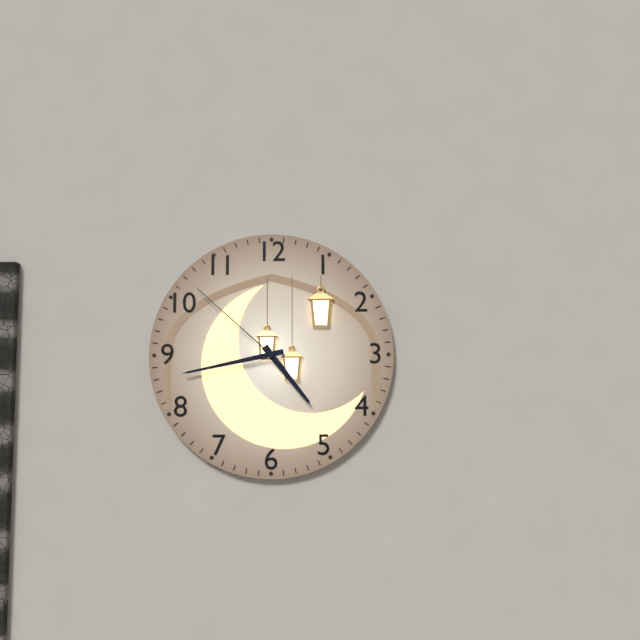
4:43:52
